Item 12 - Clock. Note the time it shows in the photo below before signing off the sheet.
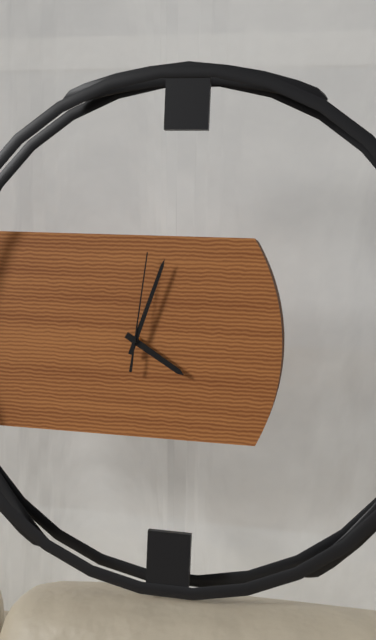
4:03:01
